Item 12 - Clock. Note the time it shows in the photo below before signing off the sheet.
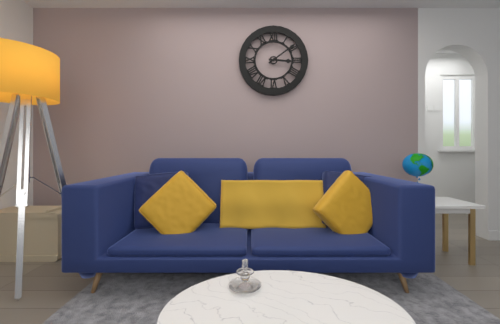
3:09
